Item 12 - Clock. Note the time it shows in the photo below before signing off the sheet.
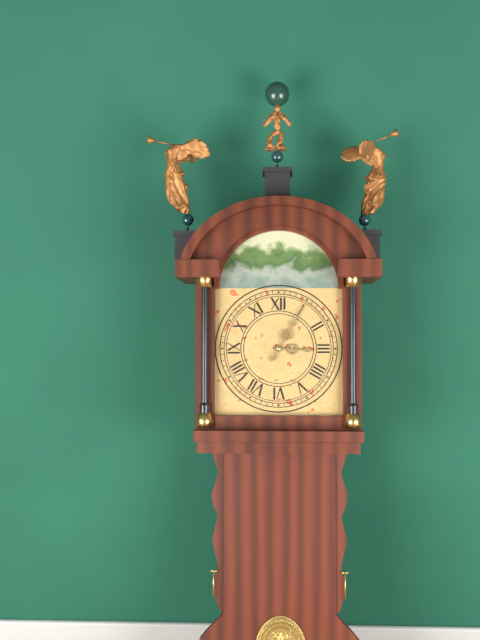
3:05
